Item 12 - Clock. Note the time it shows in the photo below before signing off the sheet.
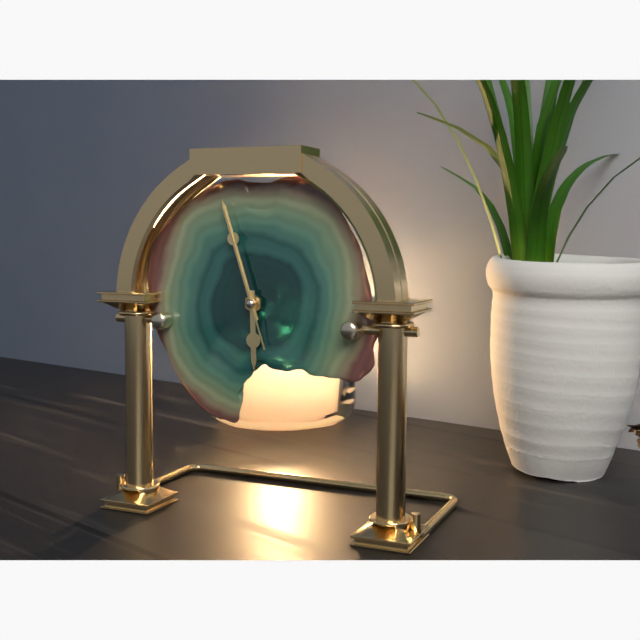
5:57:57
